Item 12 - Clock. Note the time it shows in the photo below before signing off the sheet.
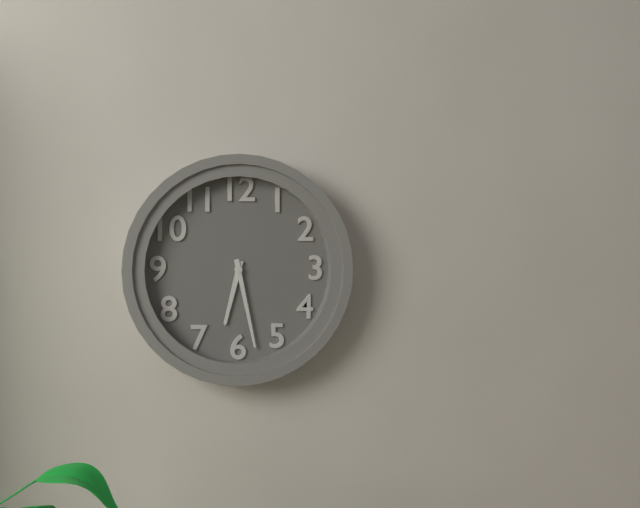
6:28
